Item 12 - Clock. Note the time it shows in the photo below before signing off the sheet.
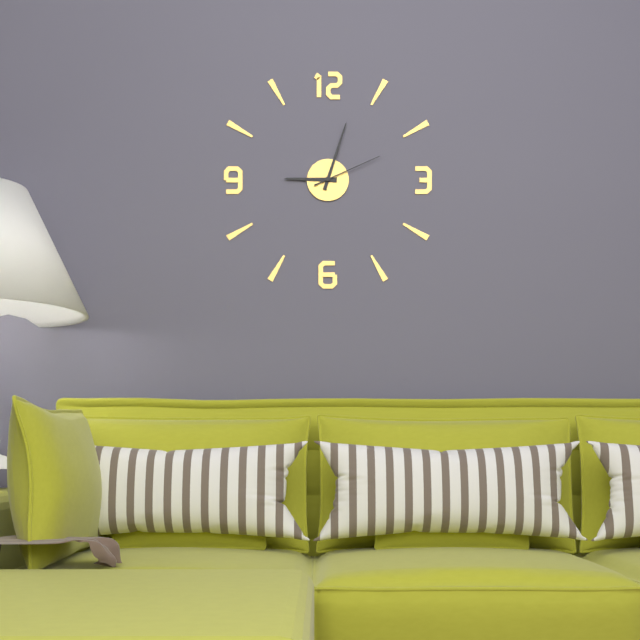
9:03:11
